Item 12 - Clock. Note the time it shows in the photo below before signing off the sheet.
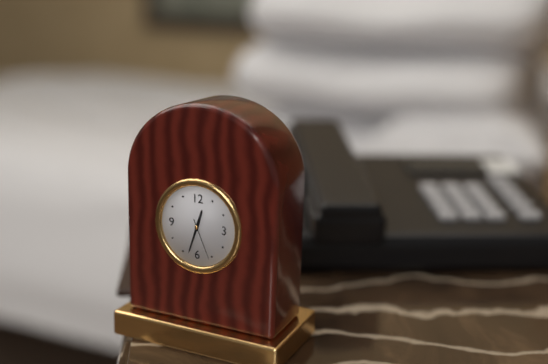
12:33
